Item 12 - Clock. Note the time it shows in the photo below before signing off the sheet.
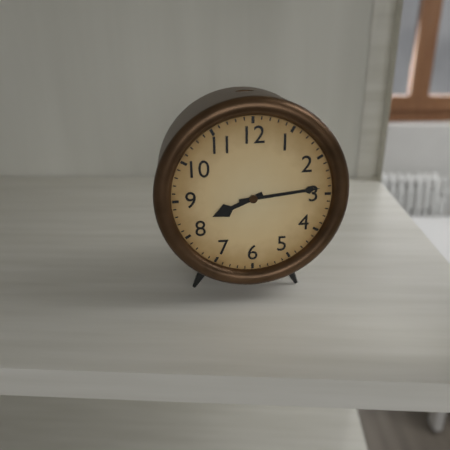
8:14
